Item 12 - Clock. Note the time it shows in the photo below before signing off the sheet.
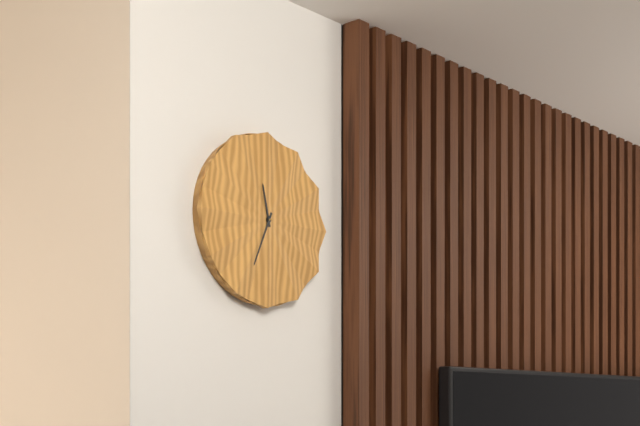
11:34
